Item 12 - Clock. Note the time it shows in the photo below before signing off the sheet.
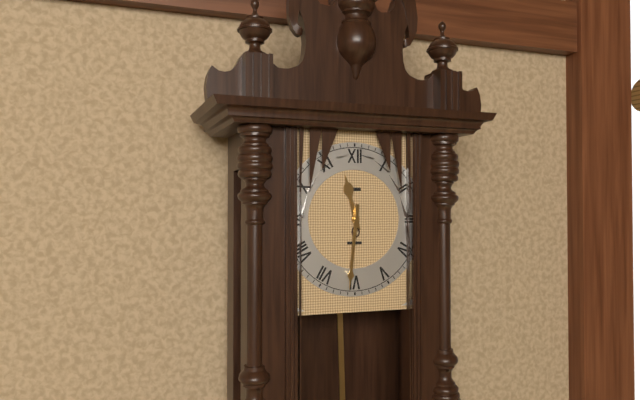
11:31
